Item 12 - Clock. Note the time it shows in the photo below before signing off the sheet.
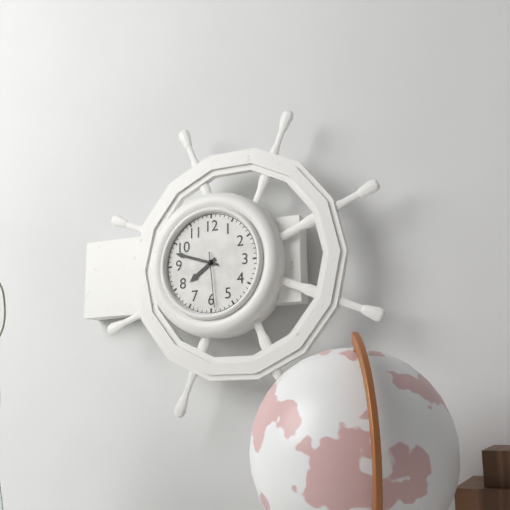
7:48:29
